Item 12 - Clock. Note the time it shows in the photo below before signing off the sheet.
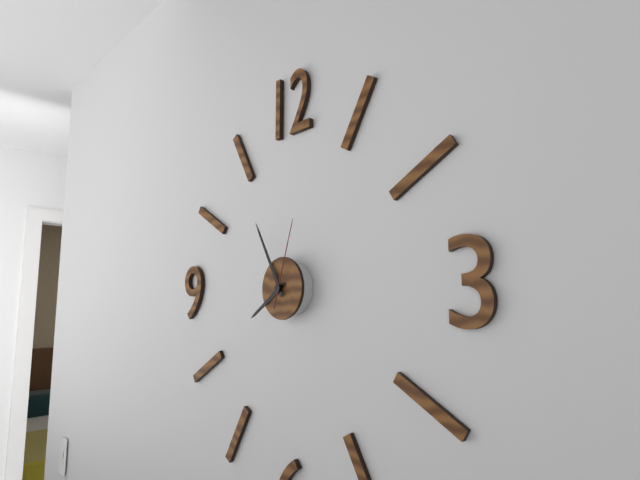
7:55:03
